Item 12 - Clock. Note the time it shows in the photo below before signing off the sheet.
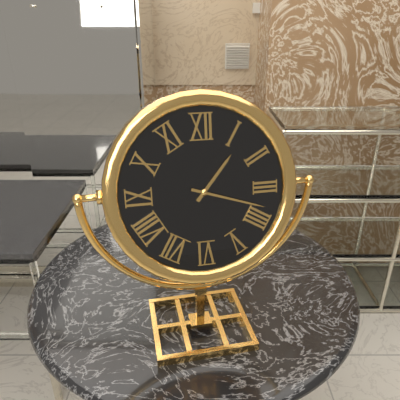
1:18
